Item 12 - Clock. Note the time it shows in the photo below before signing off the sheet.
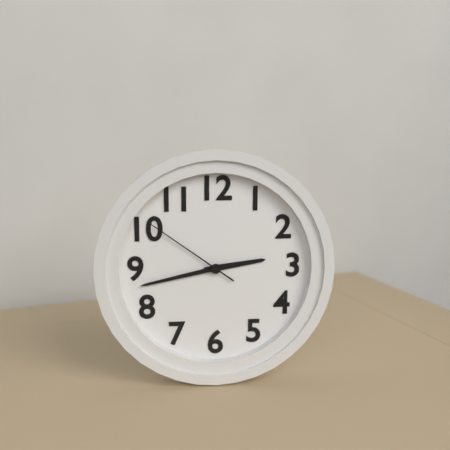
2:43:51
